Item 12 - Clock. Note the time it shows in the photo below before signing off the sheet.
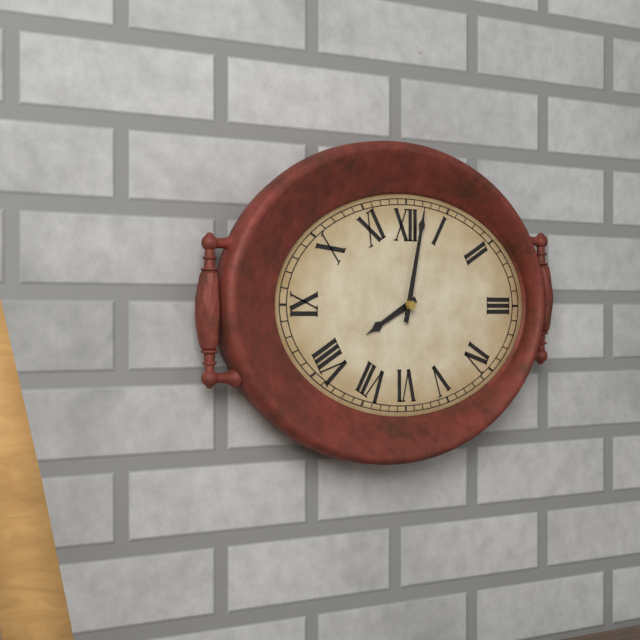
8:02
